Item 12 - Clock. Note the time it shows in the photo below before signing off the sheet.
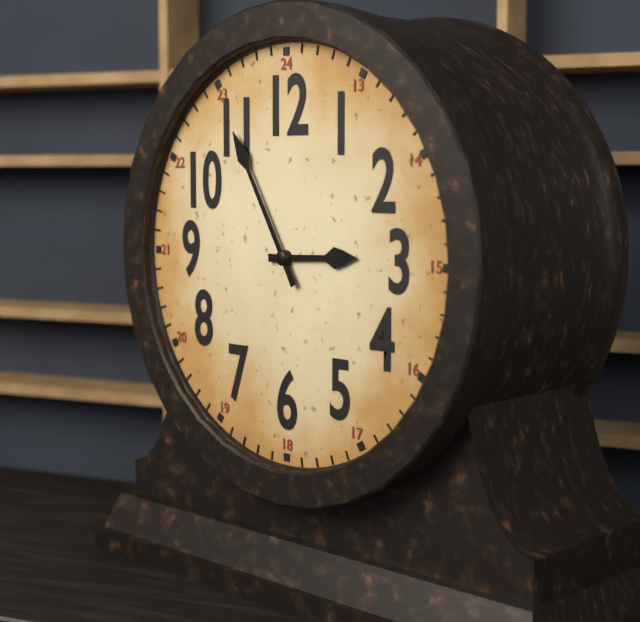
2:55
